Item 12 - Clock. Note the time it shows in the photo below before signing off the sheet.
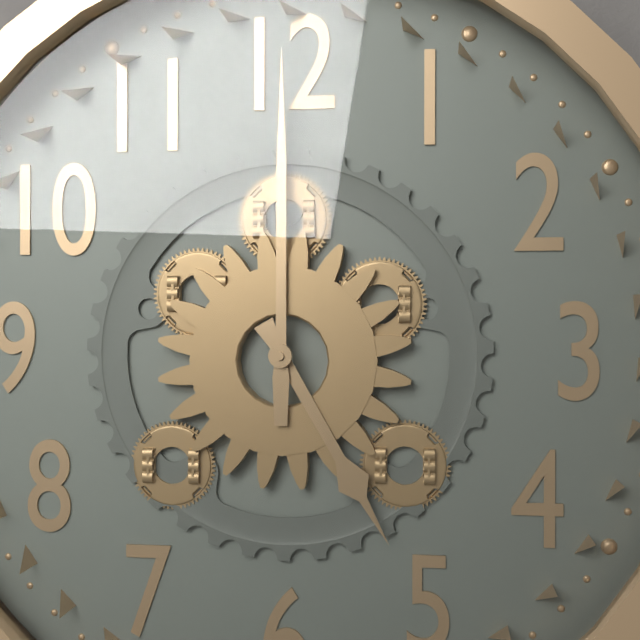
5:00
